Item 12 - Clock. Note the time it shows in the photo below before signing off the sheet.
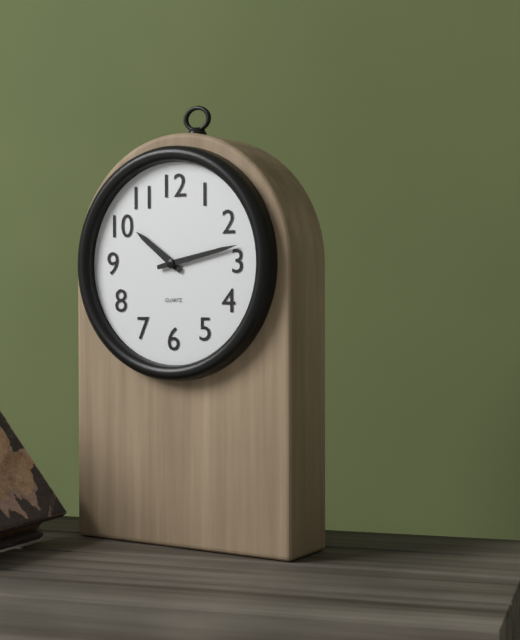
10:13
